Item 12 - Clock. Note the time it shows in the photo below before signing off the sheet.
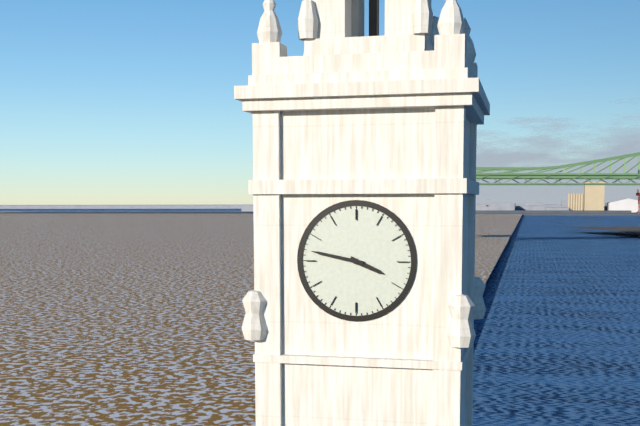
3:47
